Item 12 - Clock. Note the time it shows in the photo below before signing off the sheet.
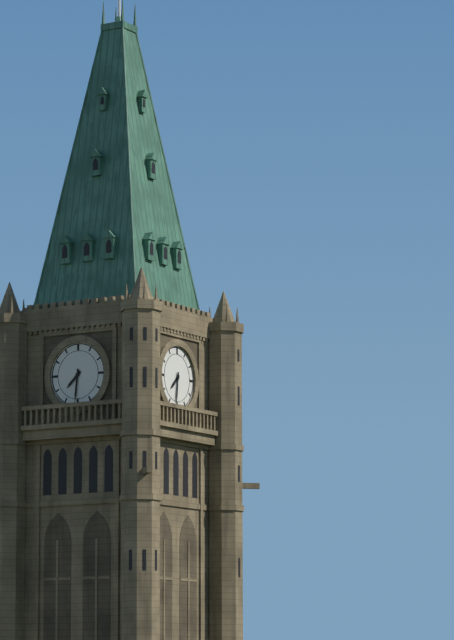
7:31
